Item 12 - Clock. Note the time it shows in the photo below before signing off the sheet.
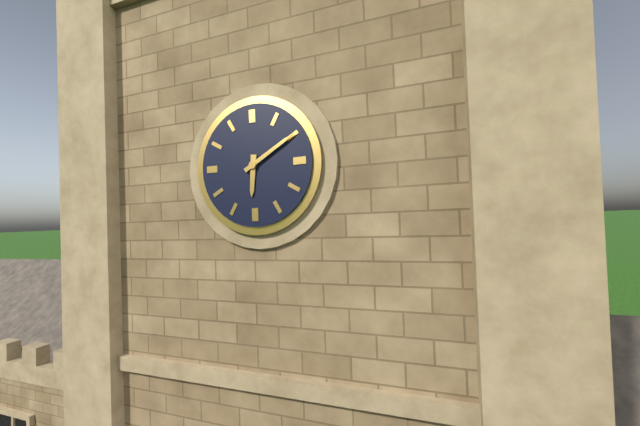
6:10
